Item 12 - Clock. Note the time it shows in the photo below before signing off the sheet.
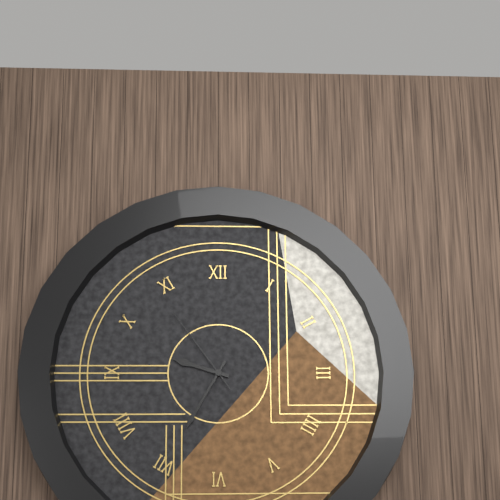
9:35:54
